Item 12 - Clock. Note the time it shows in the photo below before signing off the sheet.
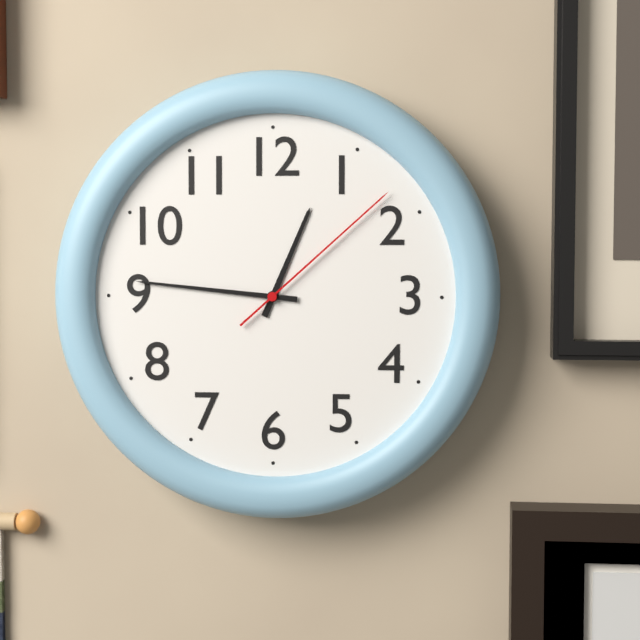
12:46:08
